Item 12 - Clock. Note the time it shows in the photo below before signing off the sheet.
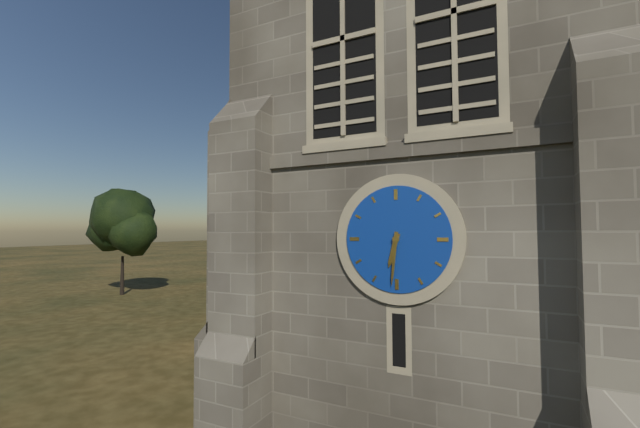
6:31
